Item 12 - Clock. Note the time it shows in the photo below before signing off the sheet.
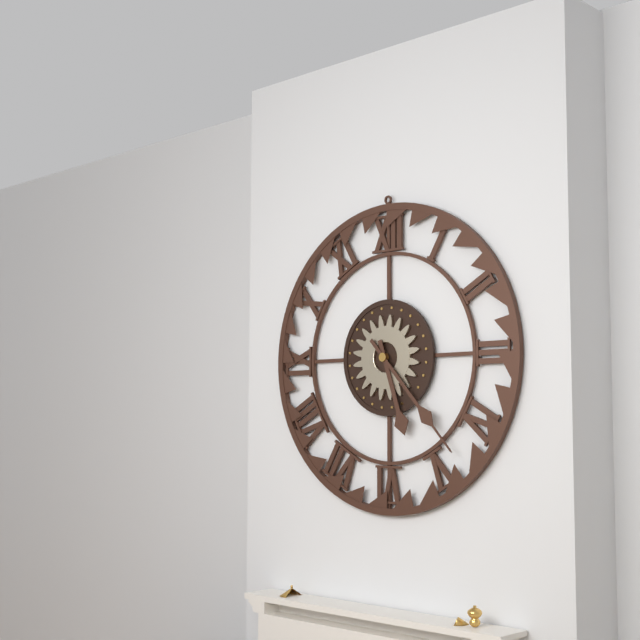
5:23
